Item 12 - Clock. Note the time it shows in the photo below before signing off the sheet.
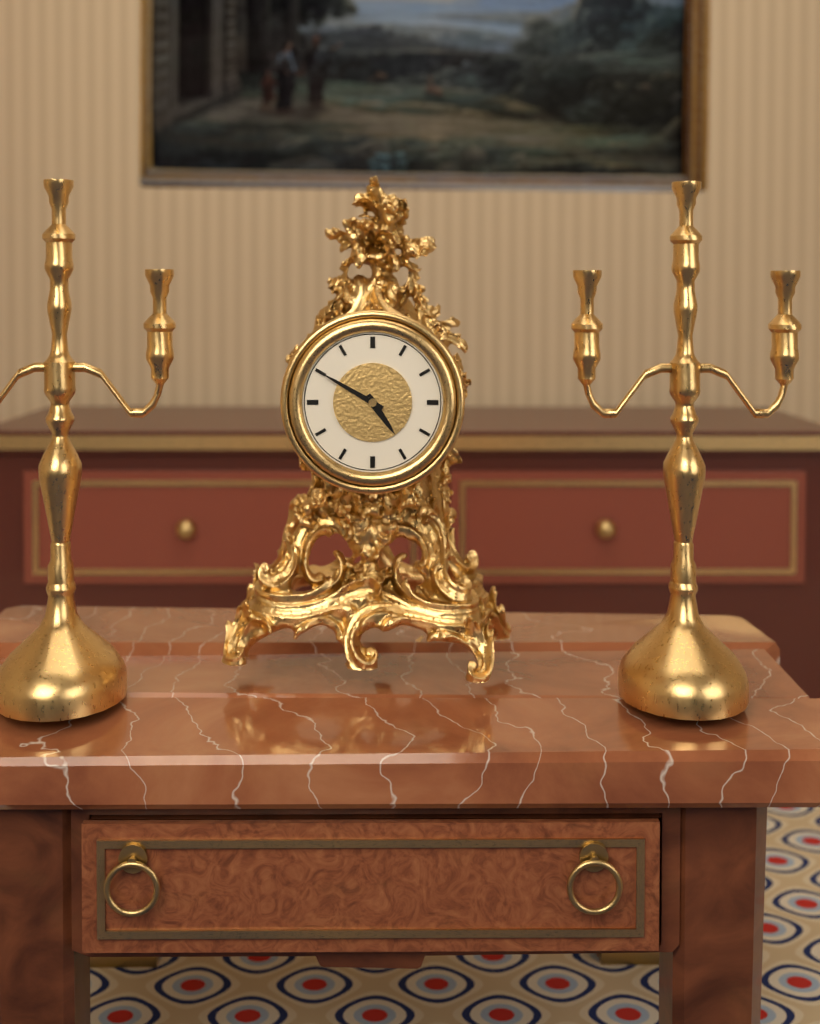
4:50
